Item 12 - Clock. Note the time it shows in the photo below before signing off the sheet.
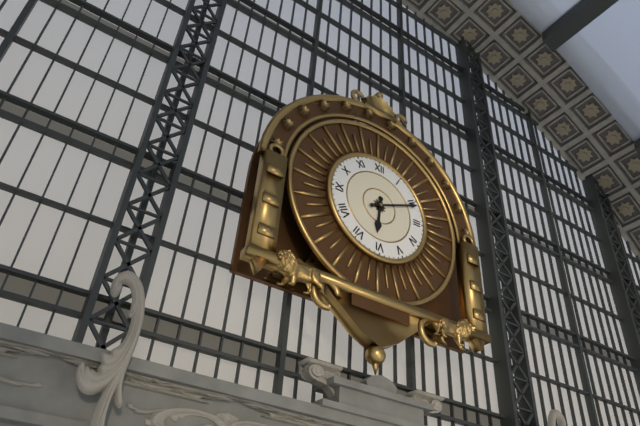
6:11
